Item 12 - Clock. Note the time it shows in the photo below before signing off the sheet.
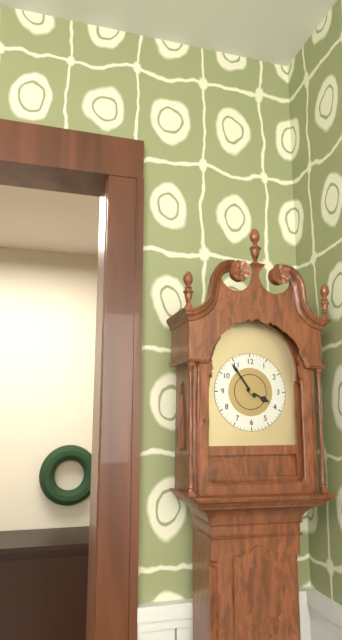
3:54
